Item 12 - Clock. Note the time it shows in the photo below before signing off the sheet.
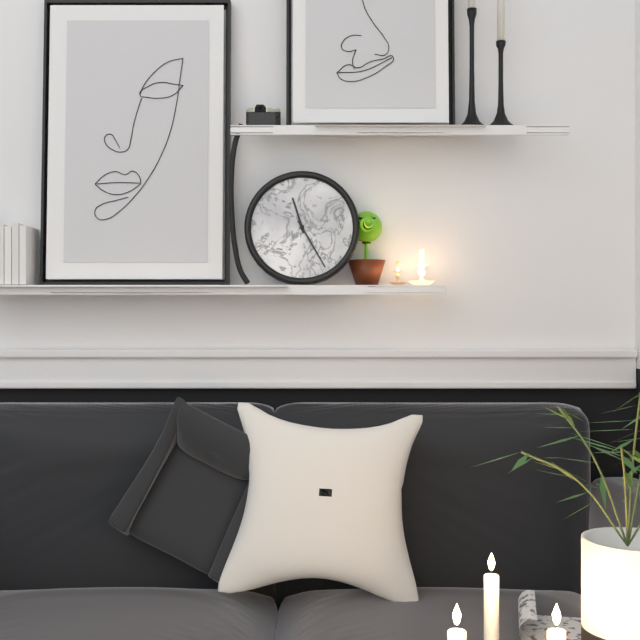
11:25
